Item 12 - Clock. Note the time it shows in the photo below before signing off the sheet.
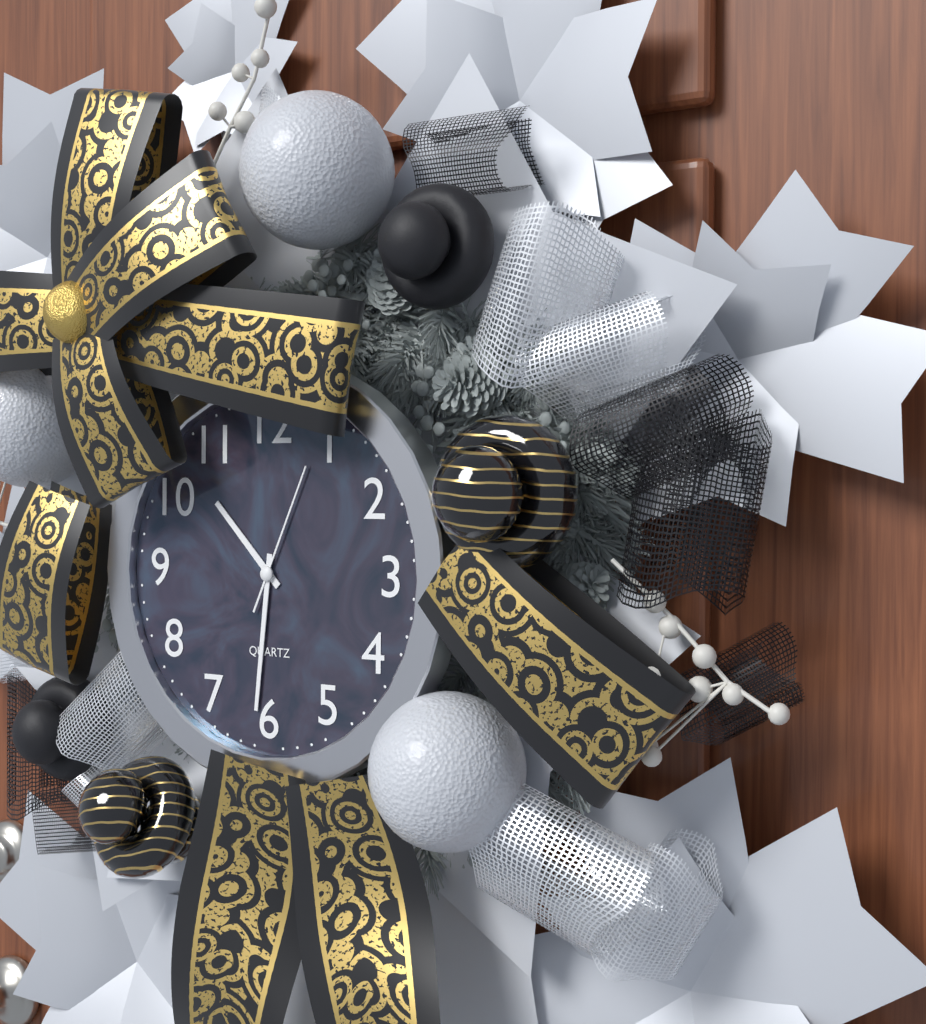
10:31:04
